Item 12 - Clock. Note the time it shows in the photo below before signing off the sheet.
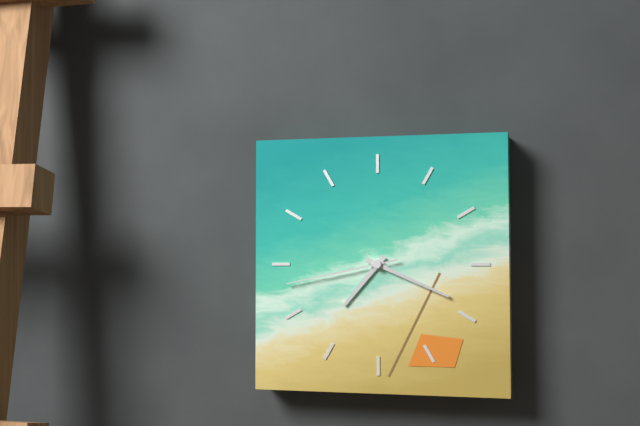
7:19:43
